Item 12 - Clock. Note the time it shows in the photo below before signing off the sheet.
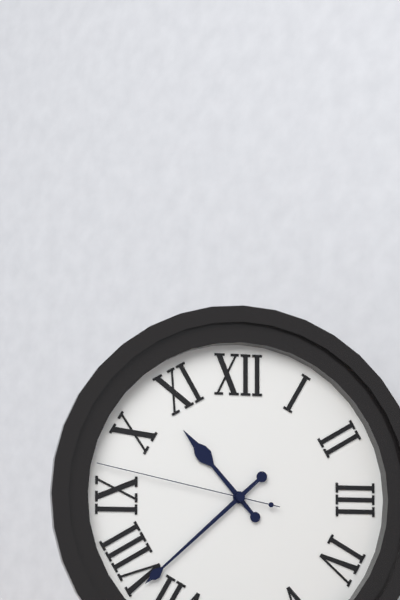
10:38:47
